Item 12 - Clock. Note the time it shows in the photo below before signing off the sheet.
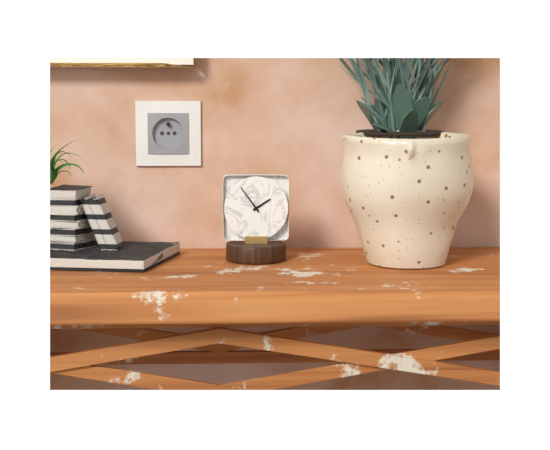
1:54
